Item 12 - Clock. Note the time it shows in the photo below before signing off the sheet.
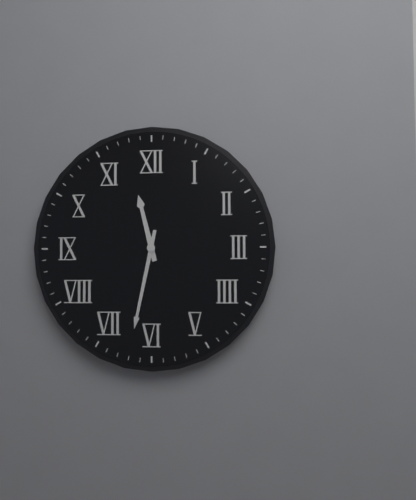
11:32
